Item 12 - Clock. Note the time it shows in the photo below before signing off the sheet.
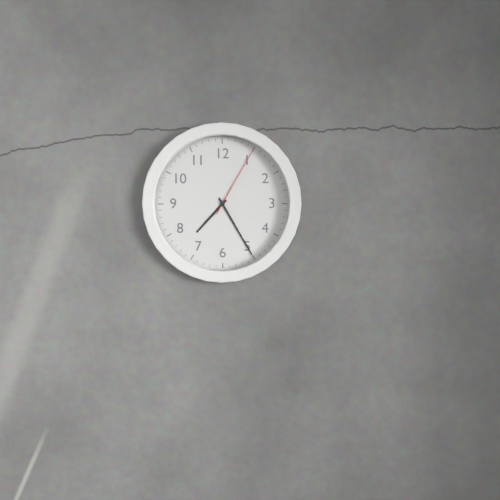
7:25:05
